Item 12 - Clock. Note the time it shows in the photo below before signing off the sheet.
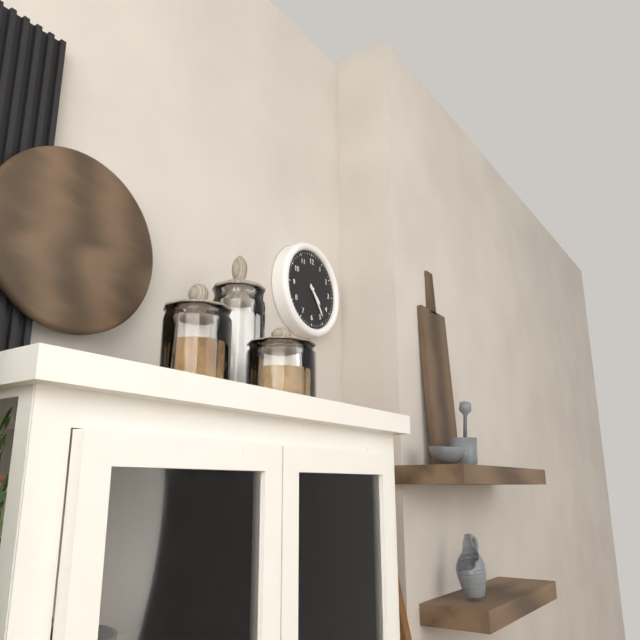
4:24
